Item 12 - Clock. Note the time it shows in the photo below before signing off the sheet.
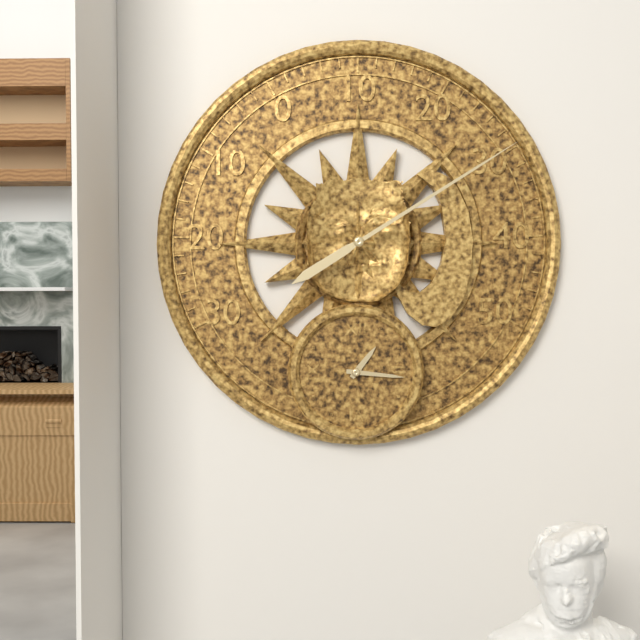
1:16
